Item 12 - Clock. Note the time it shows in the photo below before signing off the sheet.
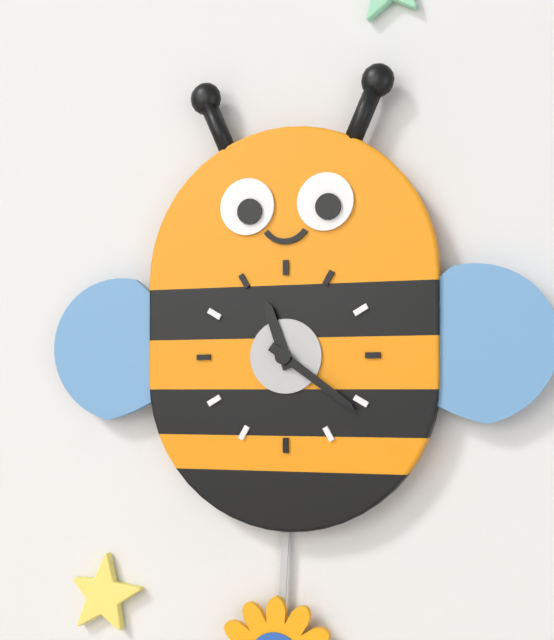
11:21
